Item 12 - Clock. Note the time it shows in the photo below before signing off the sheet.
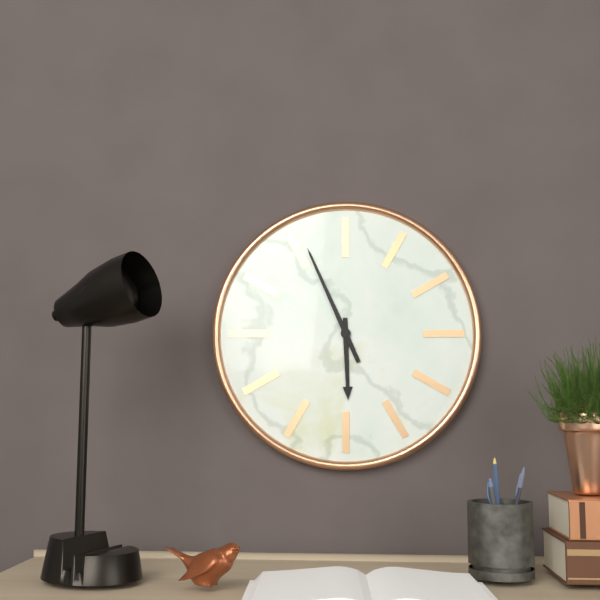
5:56
